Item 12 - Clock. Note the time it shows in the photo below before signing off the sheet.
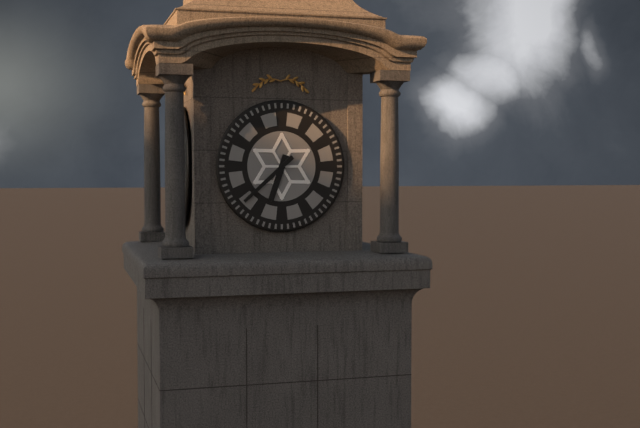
6:38
